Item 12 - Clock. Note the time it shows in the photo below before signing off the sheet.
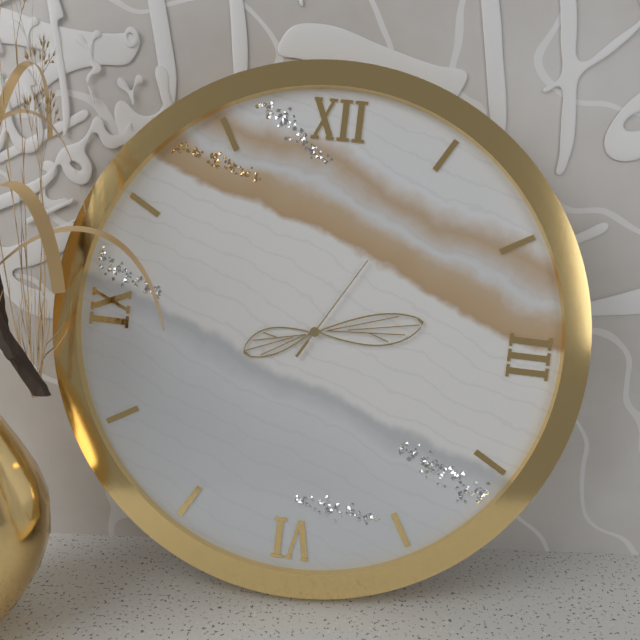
8:13:05
